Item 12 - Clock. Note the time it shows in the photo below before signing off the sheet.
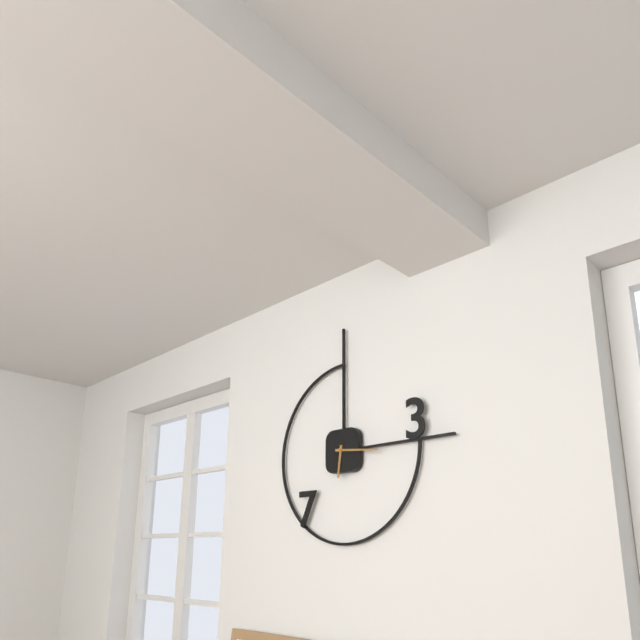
6:16
